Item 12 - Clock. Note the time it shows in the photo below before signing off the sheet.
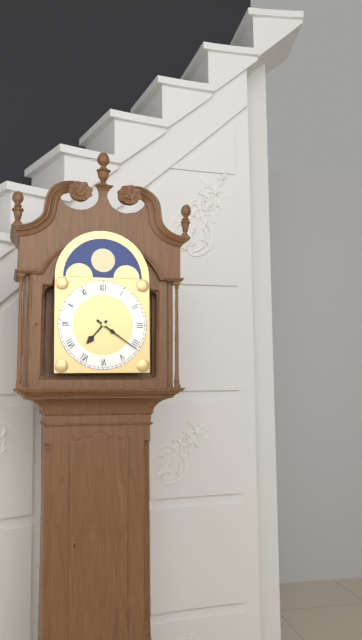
7:21
